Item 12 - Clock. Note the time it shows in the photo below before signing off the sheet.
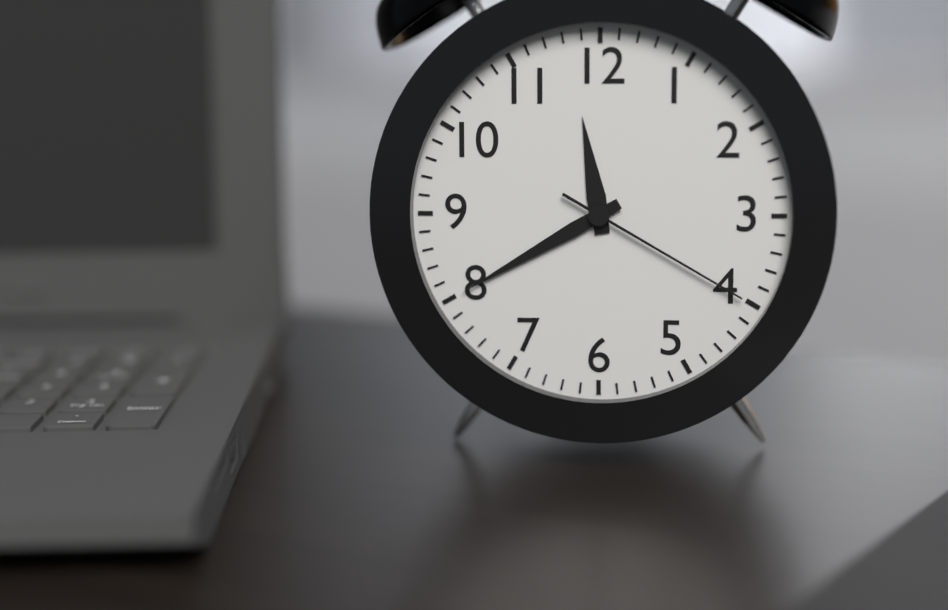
11:40:20
